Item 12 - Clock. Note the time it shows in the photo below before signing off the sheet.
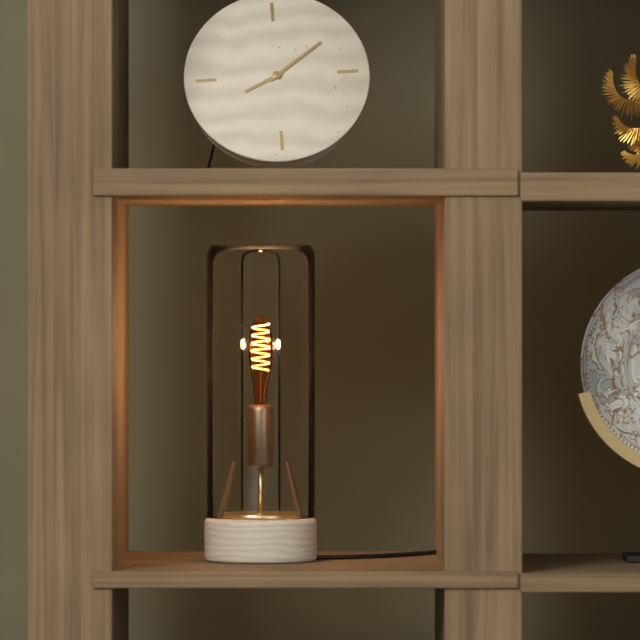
8:09
